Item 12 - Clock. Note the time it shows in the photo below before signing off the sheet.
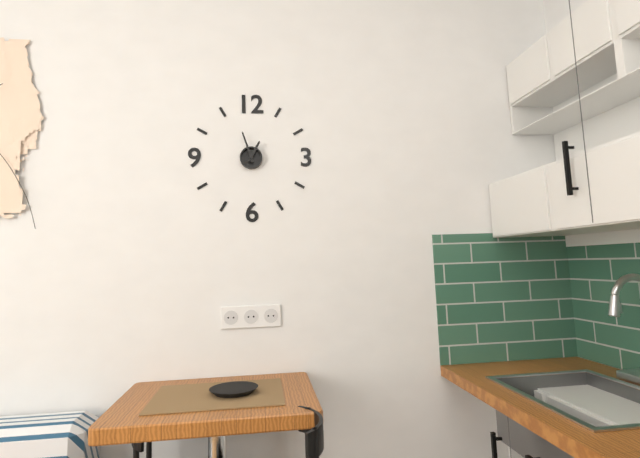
12:57
